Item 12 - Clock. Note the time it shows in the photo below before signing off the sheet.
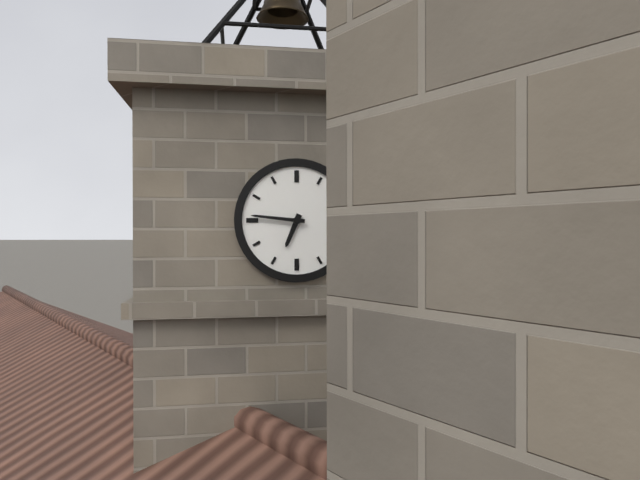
6:46
